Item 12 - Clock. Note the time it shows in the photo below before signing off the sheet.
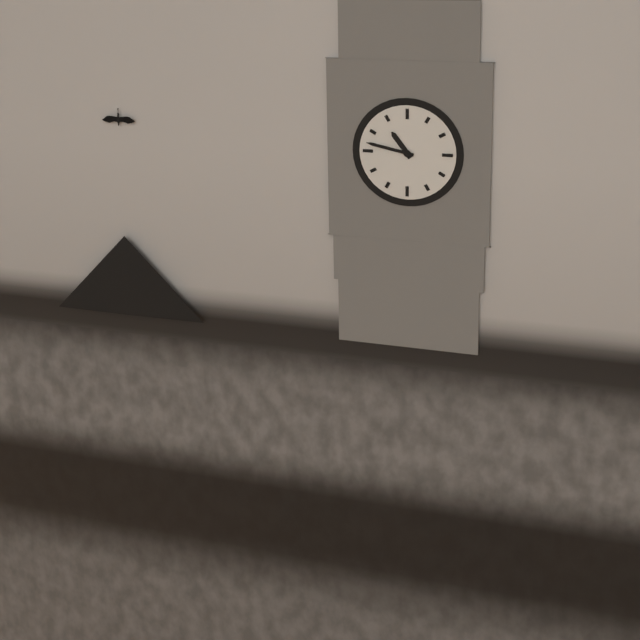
10:47
